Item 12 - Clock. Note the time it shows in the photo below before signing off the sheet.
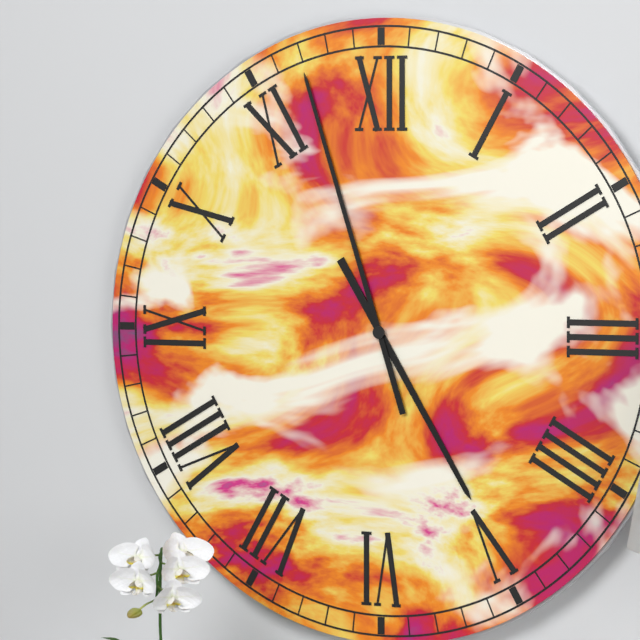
4:57
